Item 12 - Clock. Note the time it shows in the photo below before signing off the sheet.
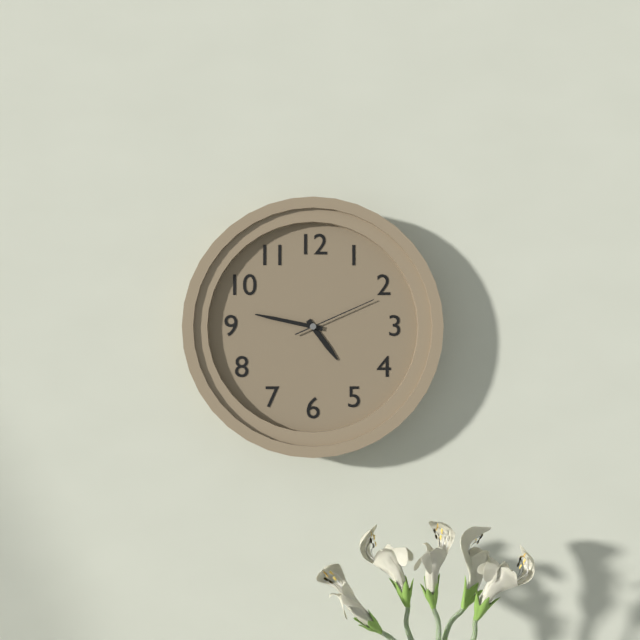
4:47:11
